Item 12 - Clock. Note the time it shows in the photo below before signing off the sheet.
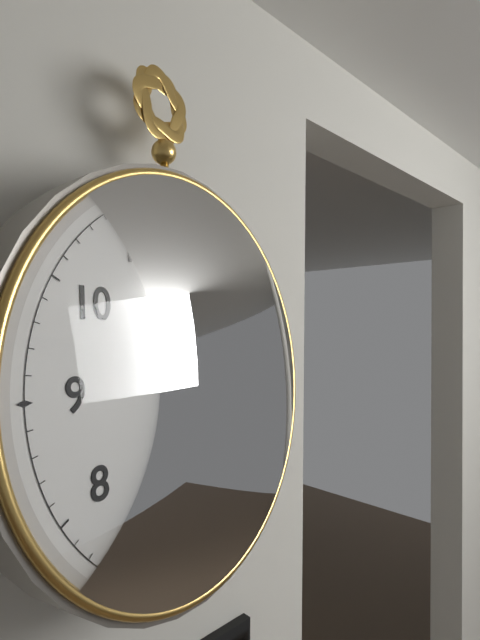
12:35
